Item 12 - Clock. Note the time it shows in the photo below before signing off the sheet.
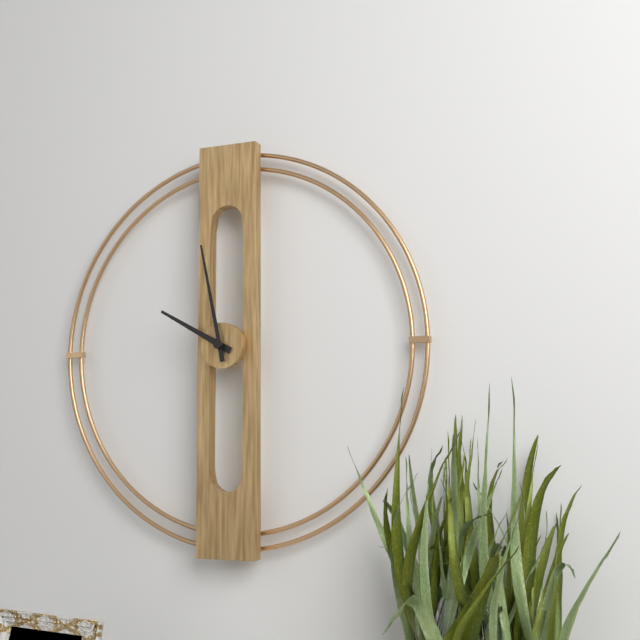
9:58
